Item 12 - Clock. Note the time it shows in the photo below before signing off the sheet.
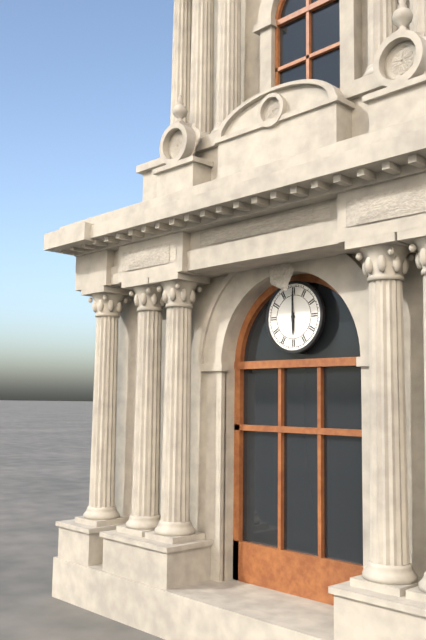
6:00
